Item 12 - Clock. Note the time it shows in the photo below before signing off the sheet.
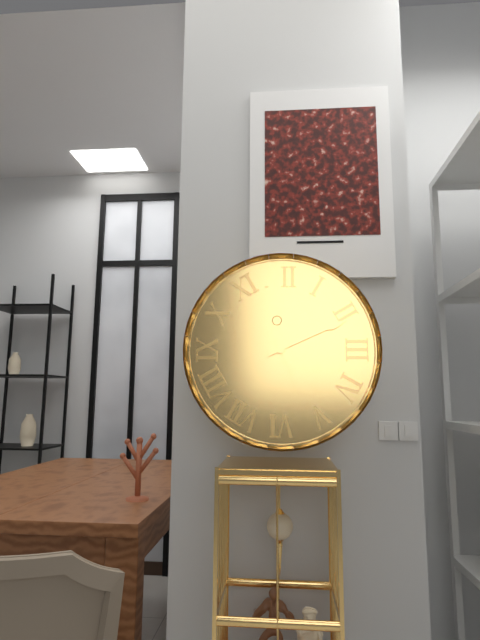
5:11
